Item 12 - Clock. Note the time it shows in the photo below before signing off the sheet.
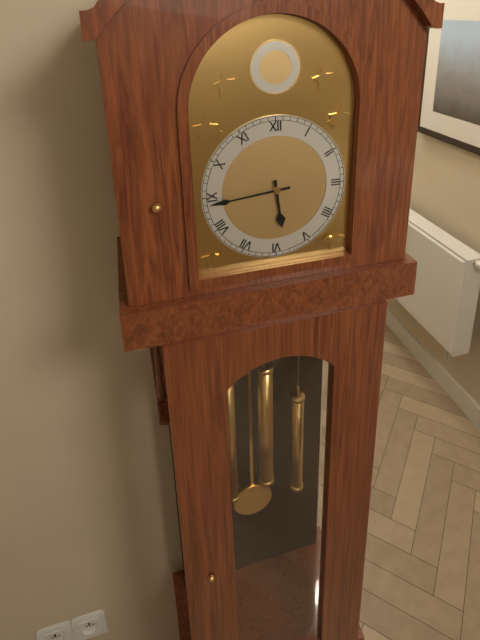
5:44
